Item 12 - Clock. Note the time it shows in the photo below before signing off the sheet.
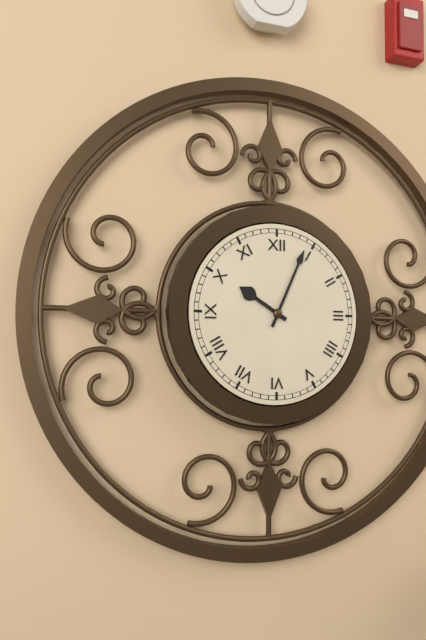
10:04
